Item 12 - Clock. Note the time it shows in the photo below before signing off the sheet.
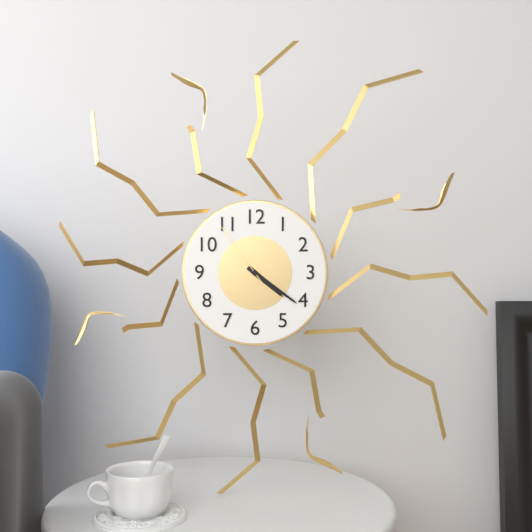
4:21:54
